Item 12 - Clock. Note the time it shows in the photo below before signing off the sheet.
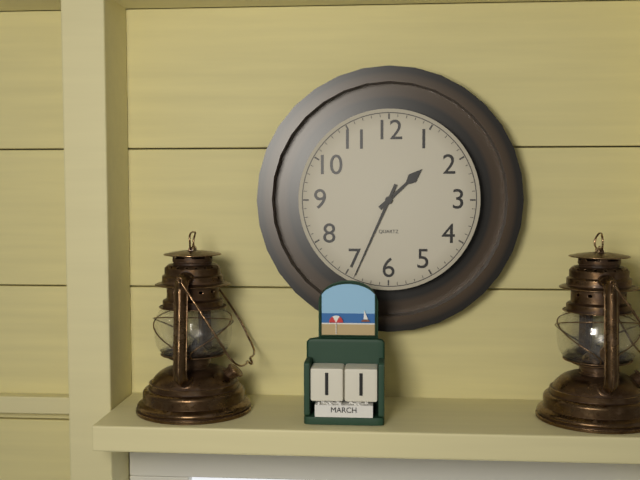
1:34
